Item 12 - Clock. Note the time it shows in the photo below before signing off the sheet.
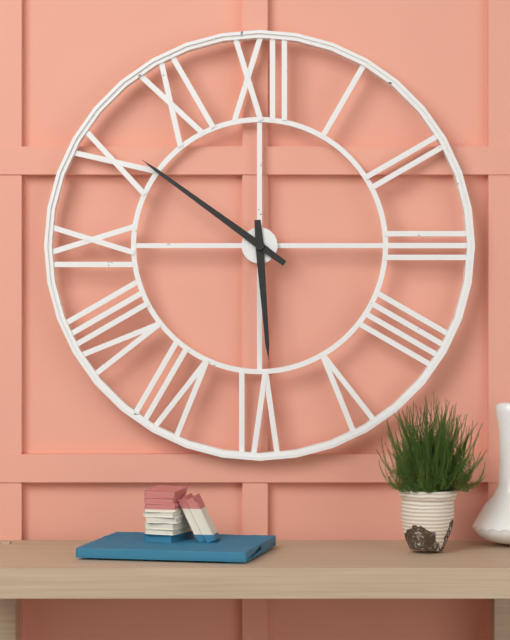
5:51
